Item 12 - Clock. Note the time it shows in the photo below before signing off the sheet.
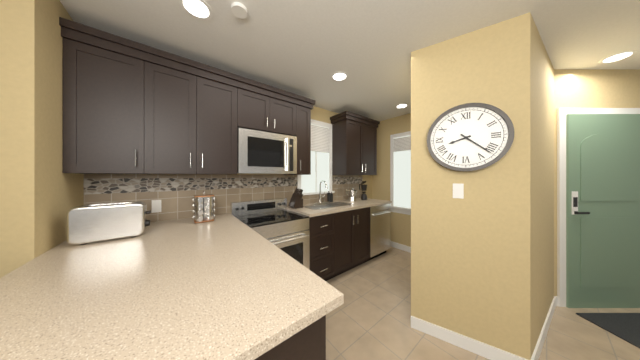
8:22
